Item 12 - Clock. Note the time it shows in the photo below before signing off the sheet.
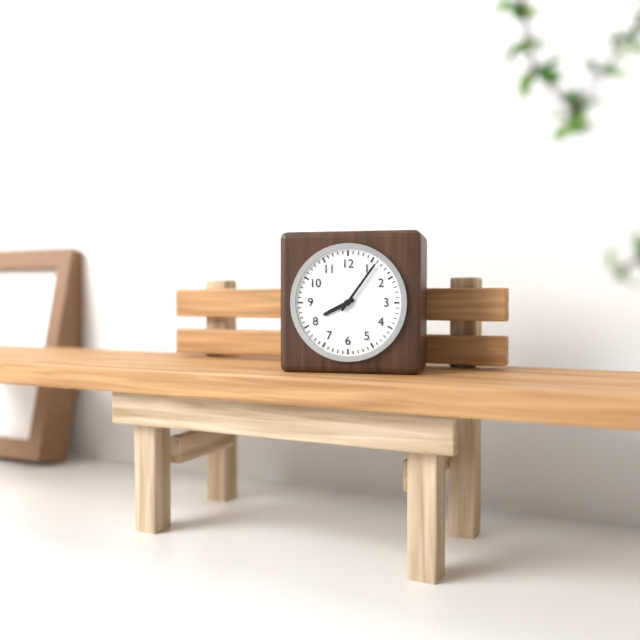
8:06
